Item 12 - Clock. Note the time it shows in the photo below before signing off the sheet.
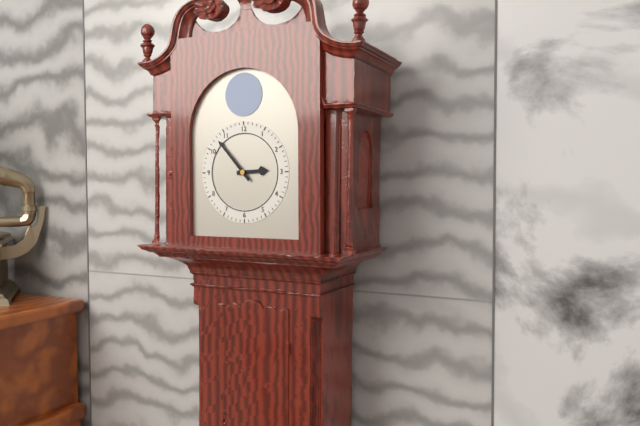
2:53
